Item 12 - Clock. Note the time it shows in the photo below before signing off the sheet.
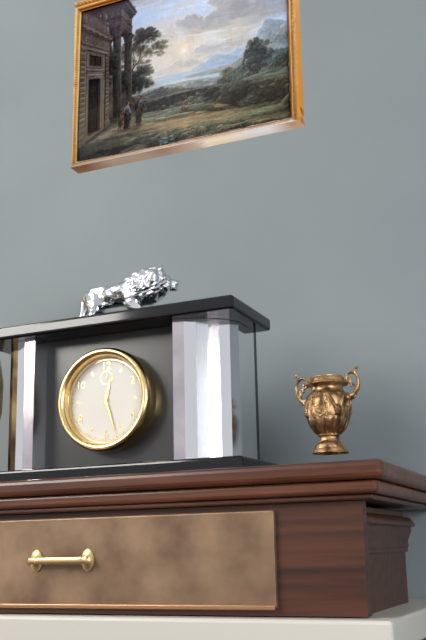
12:27
